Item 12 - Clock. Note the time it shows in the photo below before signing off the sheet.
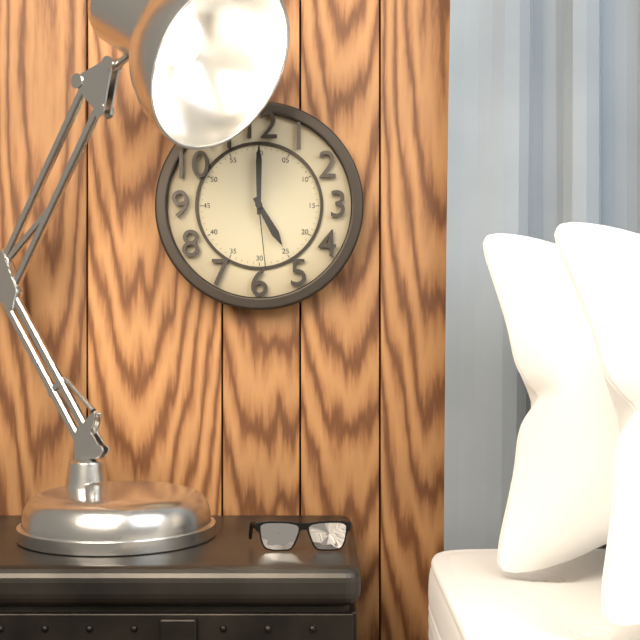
5:00:29
